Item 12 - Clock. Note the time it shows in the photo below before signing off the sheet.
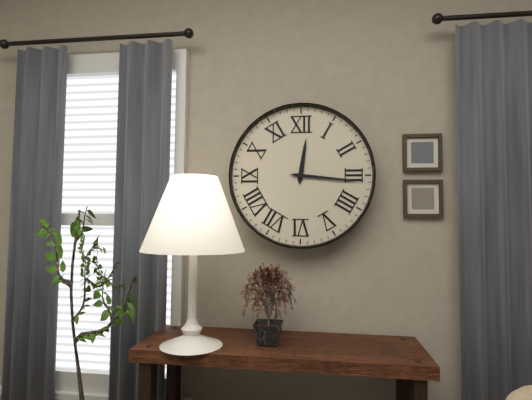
12:16
